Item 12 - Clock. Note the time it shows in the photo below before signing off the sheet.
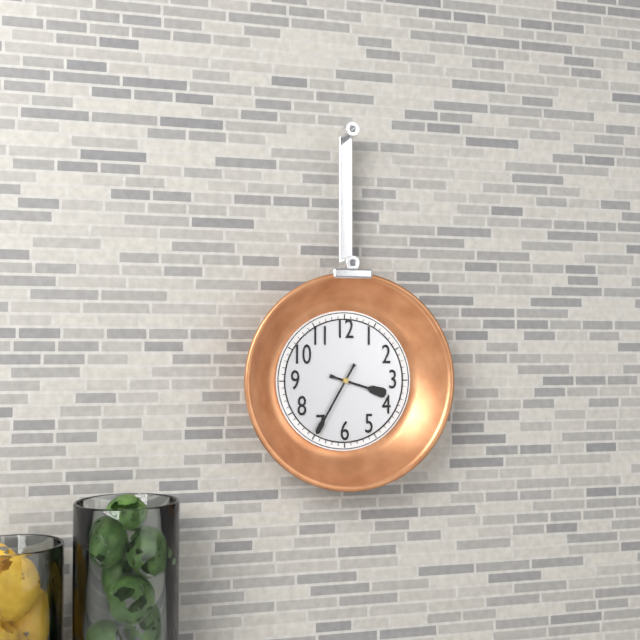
3:35
